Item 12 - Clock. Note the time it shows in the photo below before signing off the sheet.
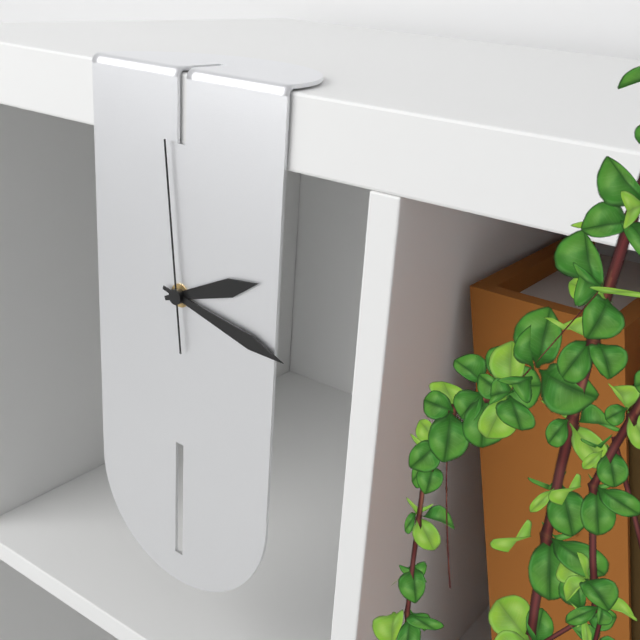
2:17:59
